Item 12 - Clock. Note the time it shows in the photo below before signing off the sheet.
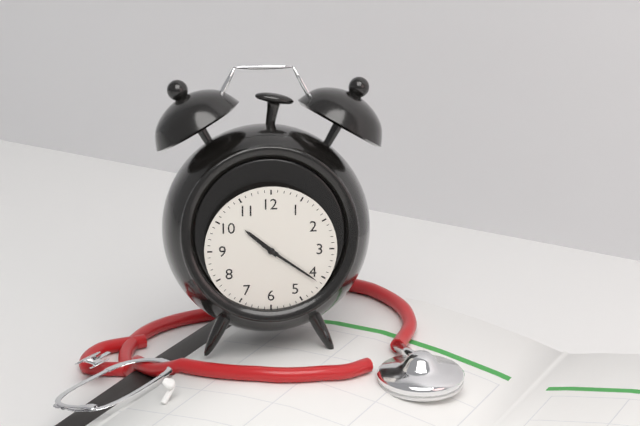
10:21
